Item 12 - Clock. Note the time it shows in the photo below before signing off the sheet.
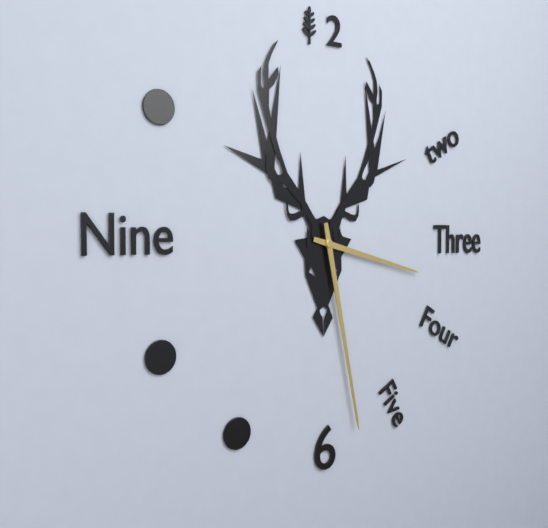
3:28
